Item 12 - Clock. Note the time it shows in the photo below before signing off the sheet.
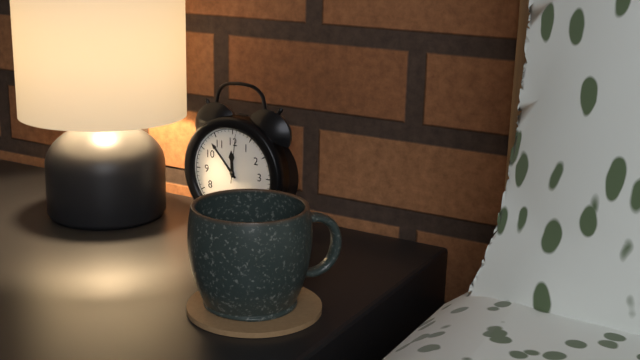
11:53
